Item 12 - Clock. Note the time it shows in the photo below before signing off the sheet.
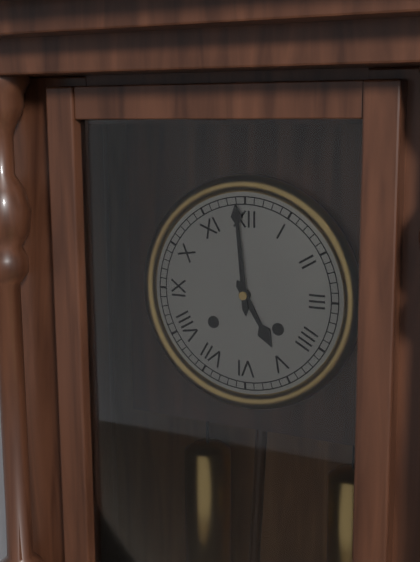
4:59
